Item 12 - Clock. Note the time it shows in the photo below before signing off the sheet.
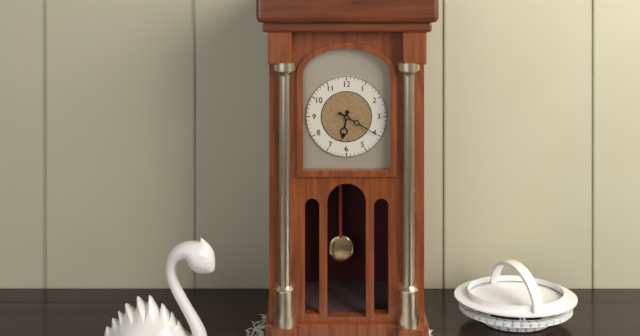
6:20
